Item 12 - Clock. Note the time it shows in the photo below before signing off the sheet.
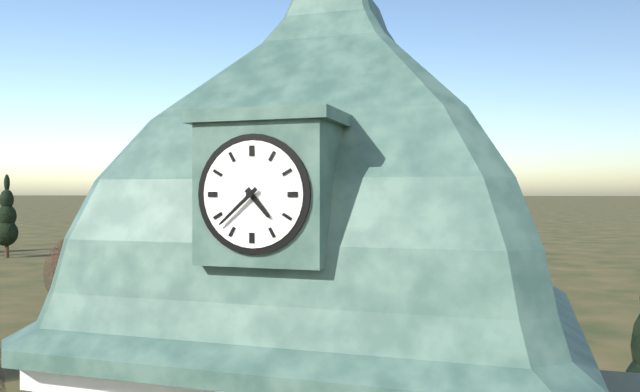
4:38
